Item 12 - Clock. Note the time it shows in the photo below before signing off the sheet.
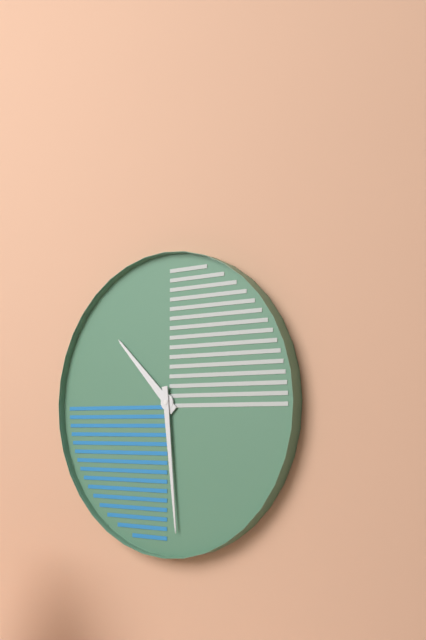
10:29
